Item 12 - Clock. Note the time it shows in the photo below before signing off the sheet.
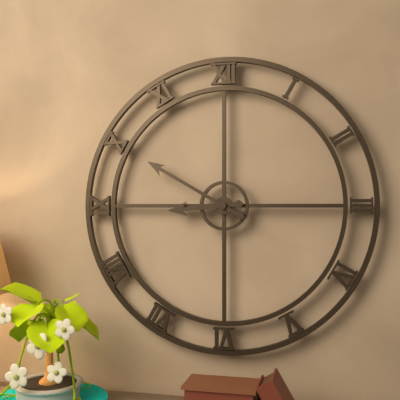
8:50
